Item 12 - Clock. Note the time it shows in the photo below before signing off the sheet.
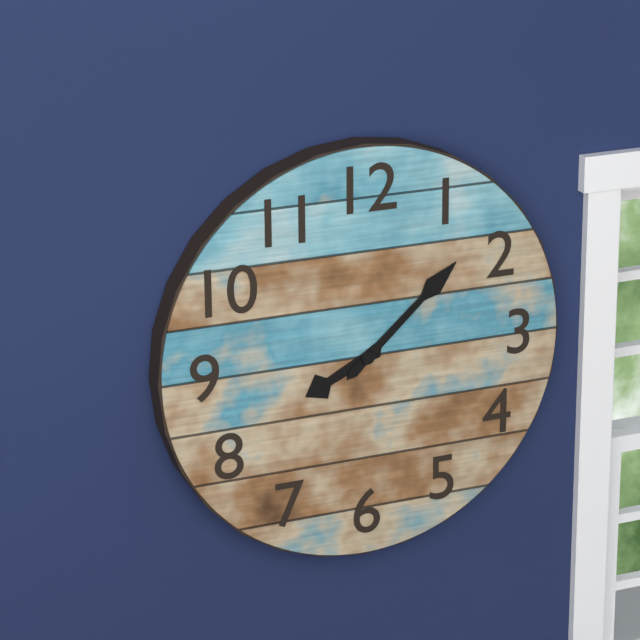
8:08
